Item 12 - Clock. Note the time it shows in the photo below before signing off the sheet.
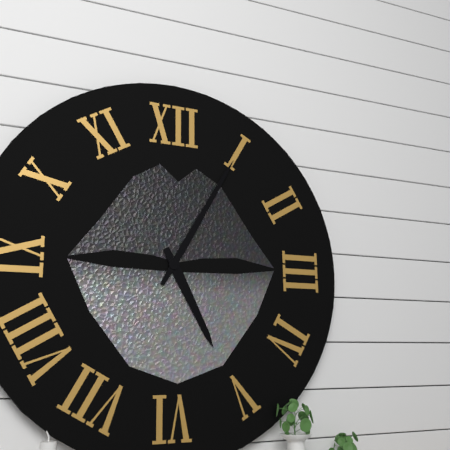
5:05
